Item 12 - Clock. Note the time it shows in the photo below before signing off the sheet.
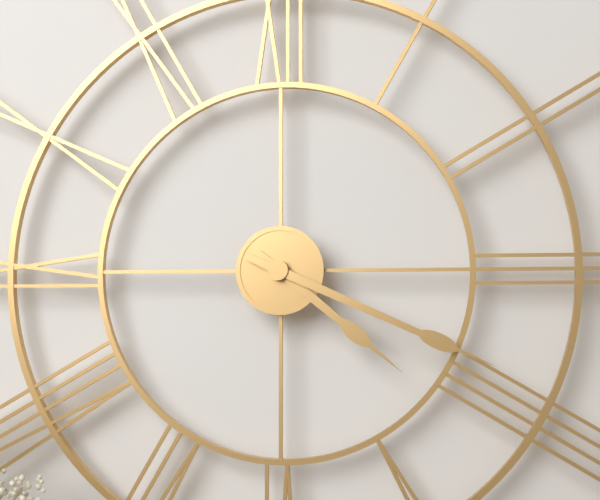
4:19
